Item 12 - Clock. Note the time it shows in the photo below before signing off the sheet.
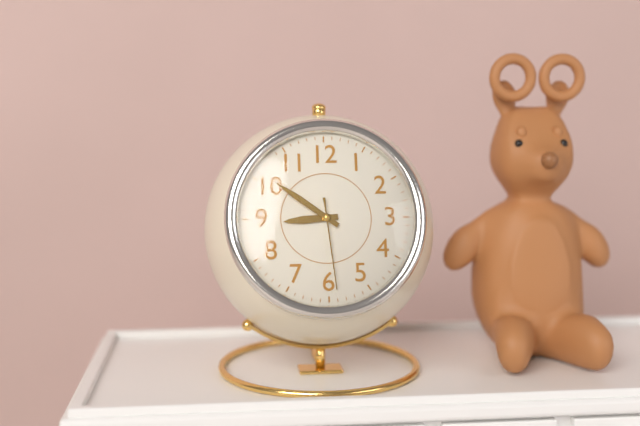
8:51:29
